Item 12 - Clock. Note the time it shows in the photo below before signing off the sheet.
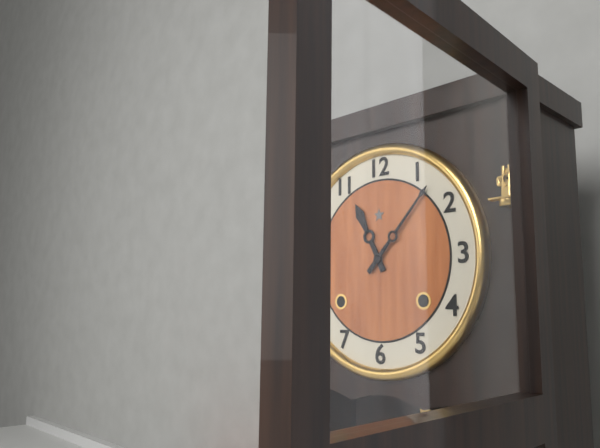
11:07
